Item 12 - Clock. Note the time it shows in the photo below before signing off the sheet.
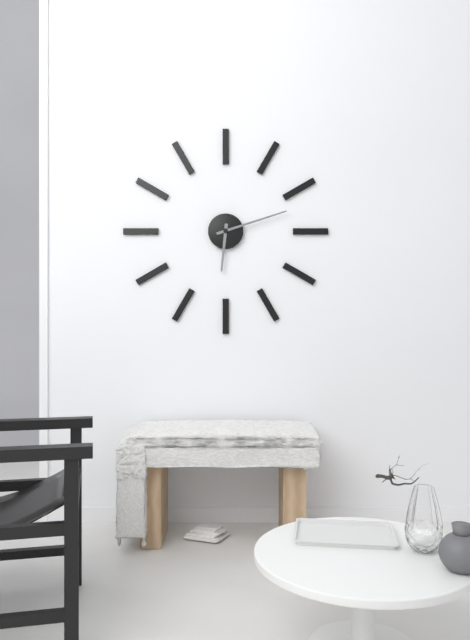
6:12
